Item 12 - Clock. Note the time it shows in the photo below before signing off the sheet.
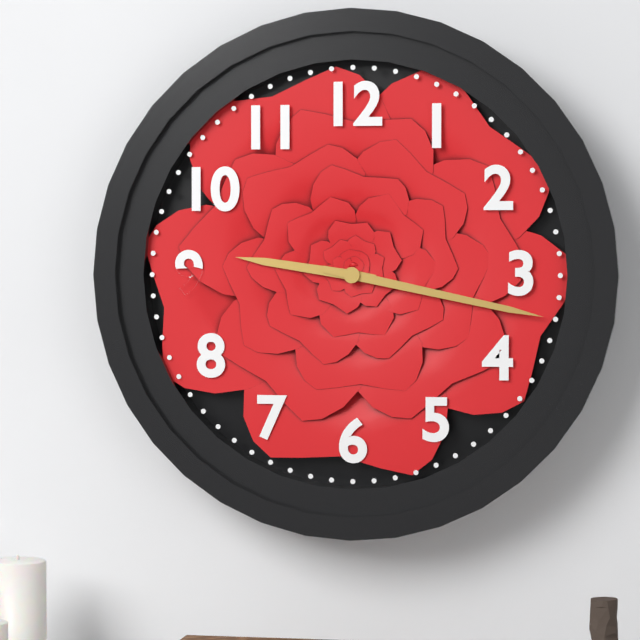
9:17
